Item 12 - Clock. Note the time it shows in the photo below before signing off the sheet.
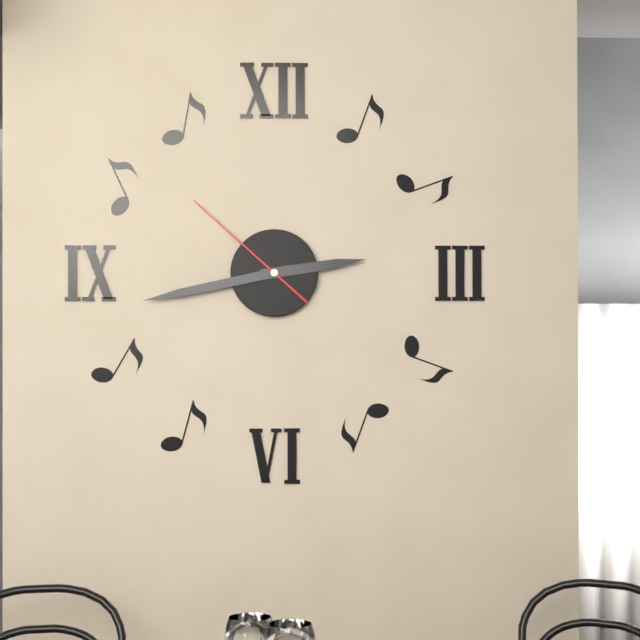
2:43:52
